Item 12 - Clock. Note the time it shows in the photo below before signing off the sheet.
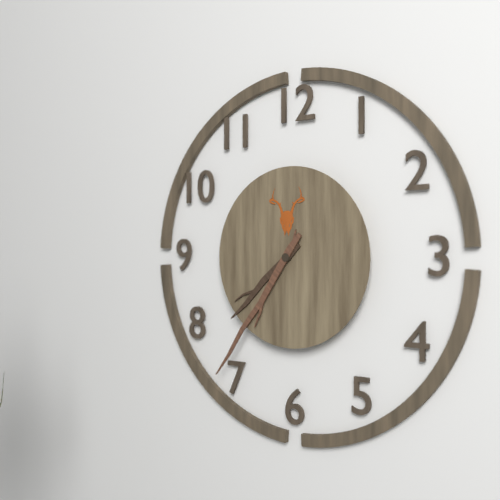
7:36
